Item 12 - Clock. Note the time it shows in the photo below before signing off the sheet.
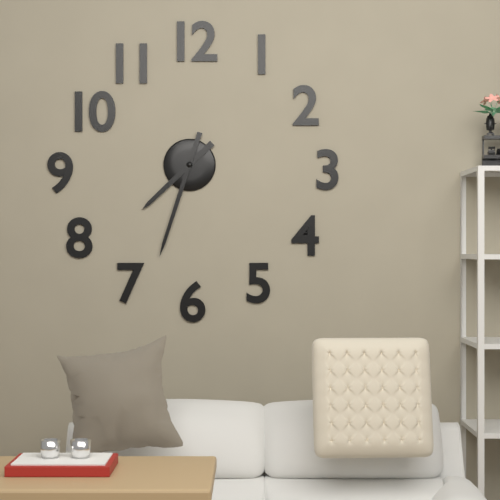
7:33
